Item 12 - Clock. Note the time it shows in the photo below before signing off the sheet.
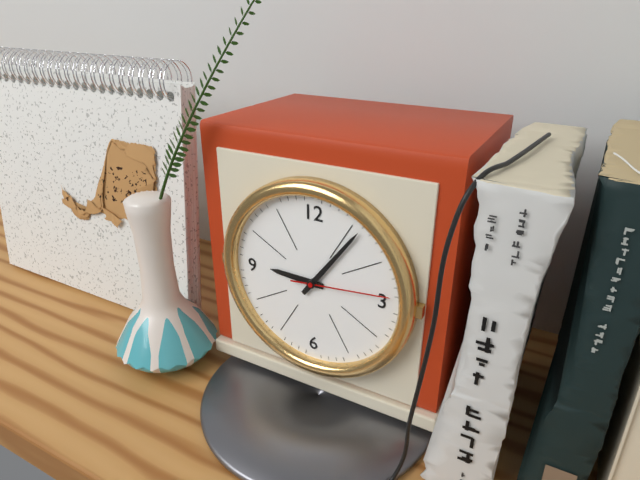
9:06:14
